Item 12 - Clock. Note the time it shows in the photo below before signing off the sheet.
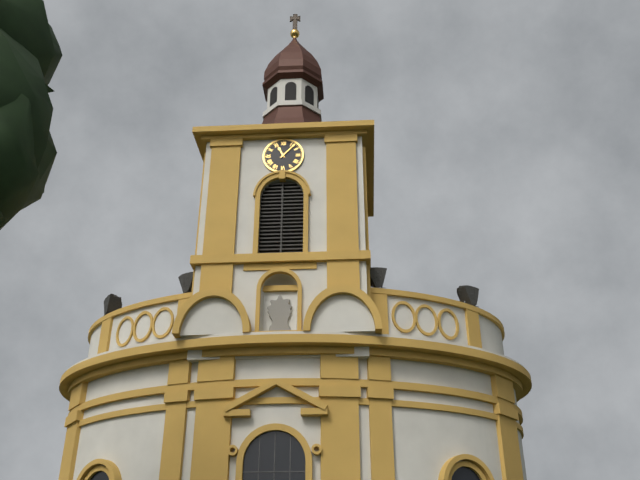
11:07
